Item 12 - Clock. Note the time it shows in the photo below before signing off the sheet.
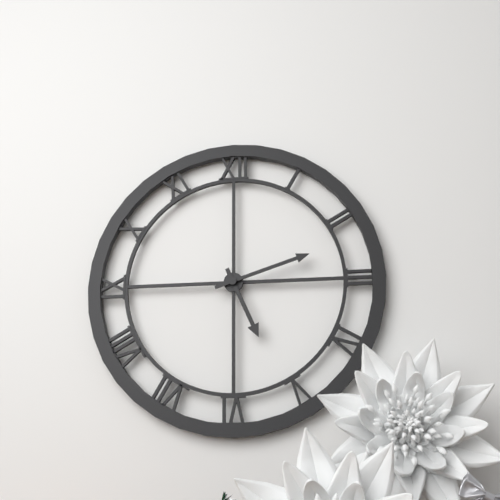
5:12
